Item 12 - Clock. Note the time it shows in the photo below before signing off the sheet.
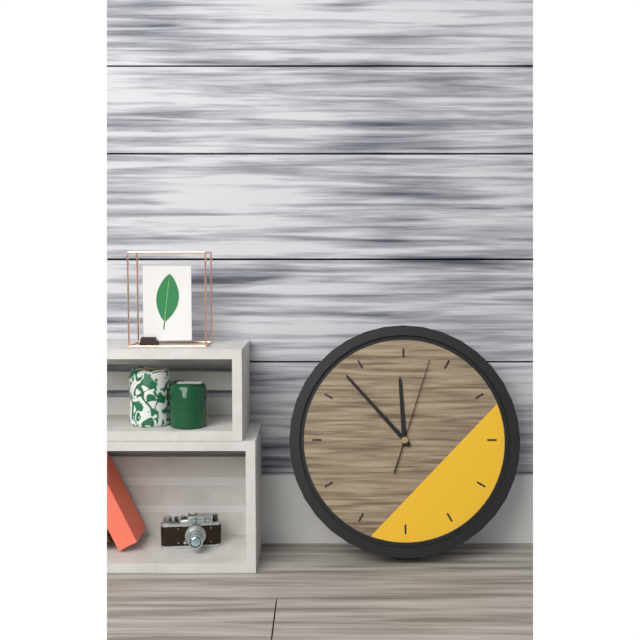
11:53:03
